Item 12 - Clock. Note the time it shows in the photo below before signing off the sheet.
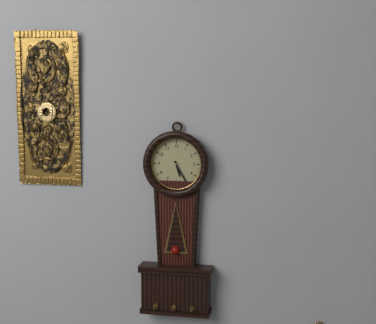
5:25
